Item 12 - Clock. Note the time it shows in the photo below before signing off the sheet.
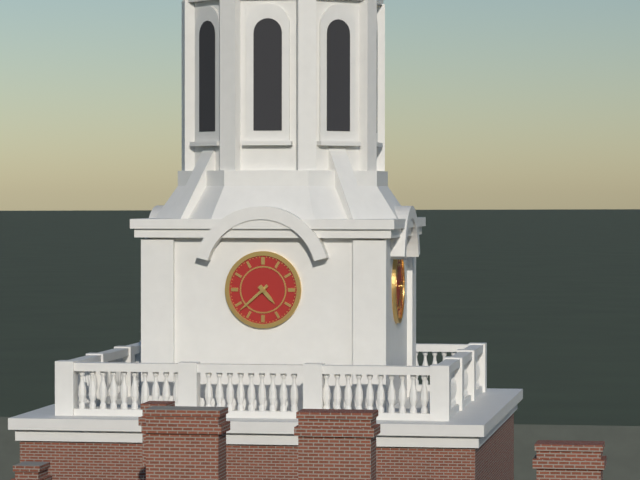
4:38
